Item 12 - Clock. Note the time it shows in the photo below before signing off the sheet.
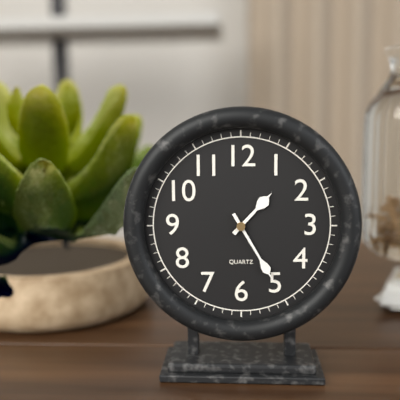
1:25
